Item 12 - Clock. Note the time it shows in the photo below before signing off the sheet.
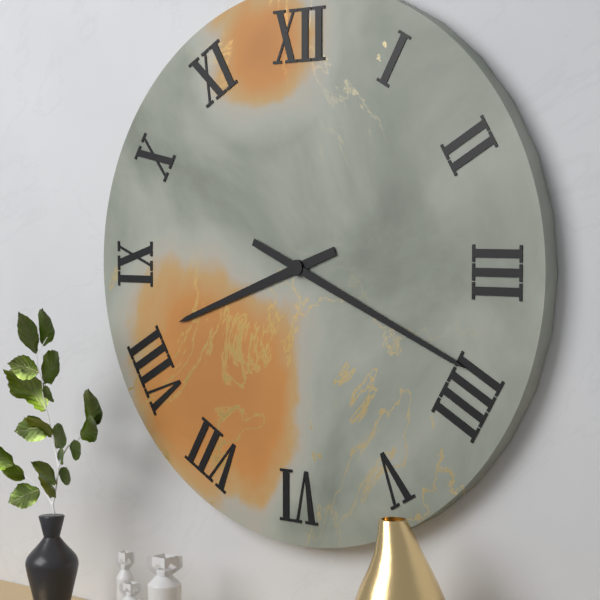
8:19
